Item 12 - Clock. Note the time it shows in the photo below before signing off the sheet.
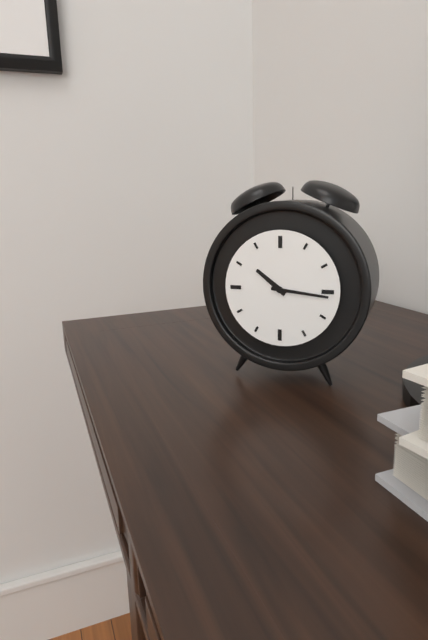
10:16
